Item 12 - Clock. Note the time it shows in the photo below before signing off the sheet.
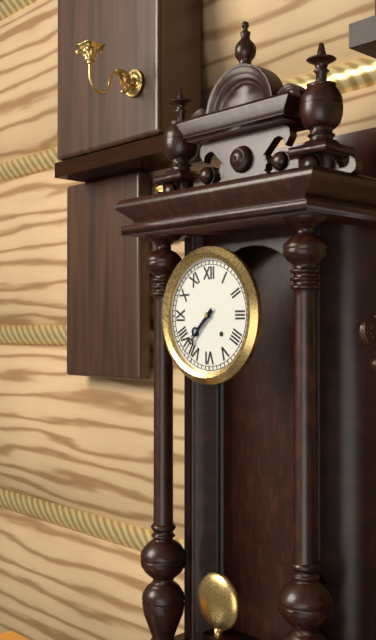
7:37
